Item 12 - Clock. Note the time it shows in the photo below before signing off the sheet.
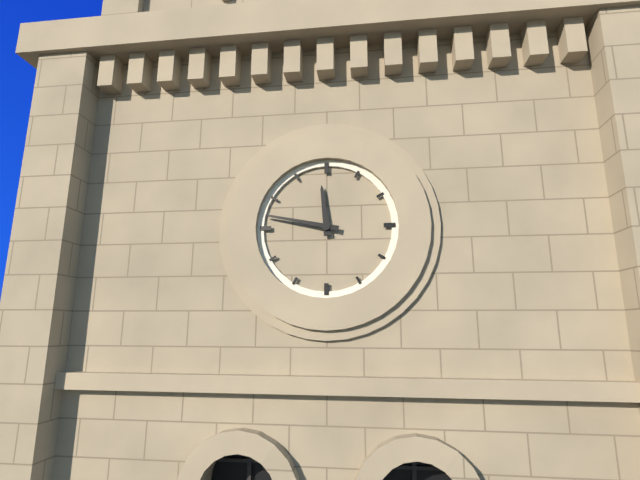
11:47
